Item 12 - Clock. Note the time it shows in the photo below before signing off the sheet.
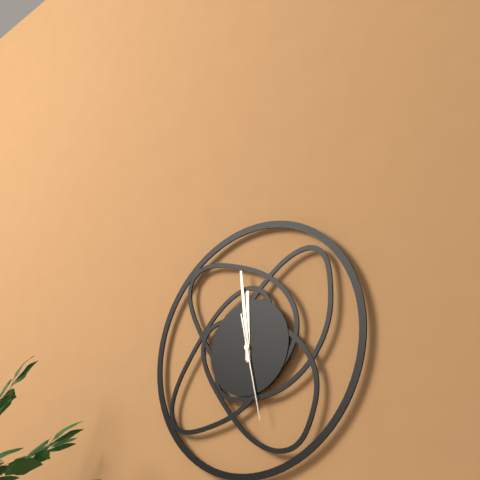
11:59:28
